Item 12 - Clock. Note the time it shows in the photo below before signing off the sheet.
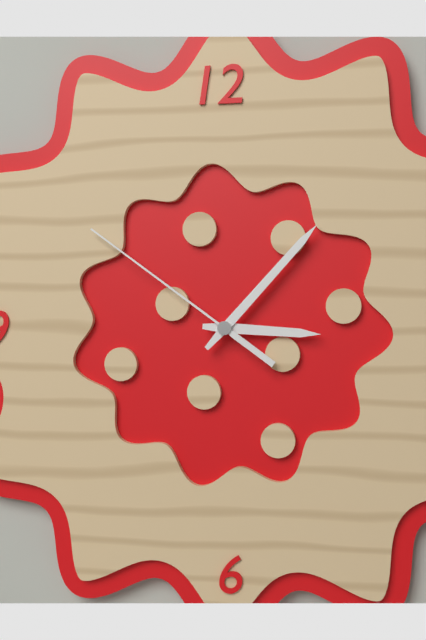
3:07:51
